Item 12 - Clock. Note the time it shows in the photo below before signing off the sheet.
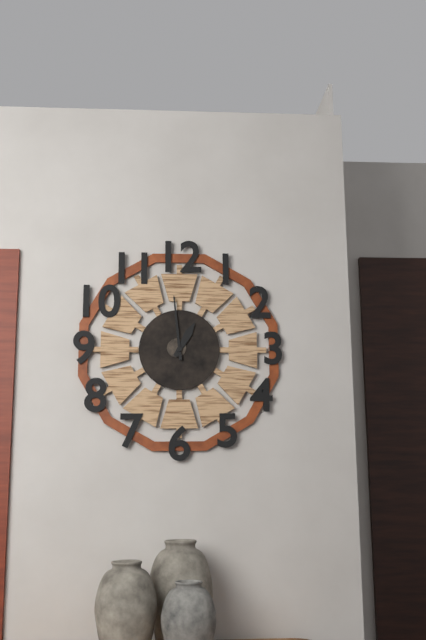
12:59
